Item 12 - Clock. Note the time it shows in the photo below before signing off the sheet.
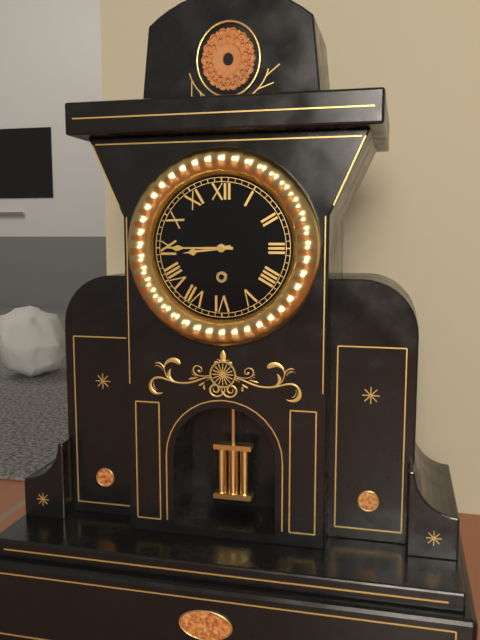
8:45
